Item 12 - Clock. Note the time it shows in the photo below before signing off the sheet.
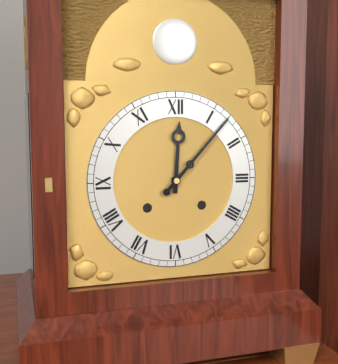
12:07
